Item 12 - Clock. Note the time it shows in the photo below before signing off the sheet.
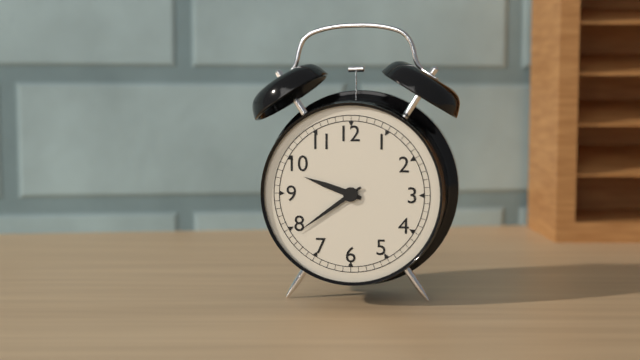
9:39
